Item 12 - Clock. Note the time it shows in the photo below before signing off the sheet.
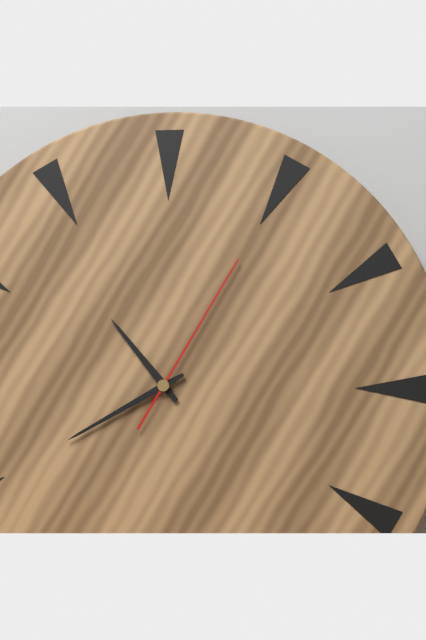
10:40:05
